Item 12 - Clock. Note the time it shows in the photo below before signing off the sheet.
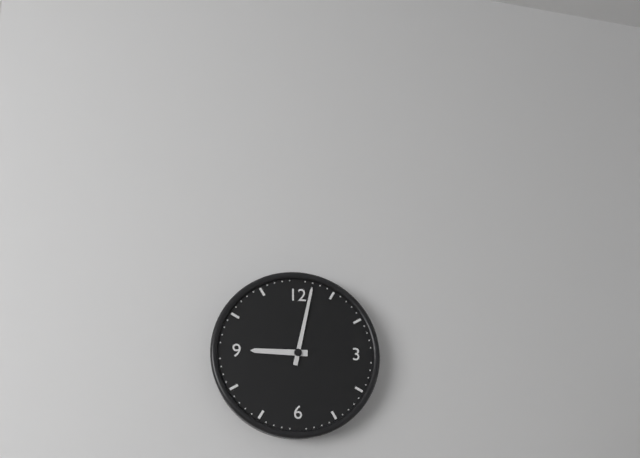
9:02
